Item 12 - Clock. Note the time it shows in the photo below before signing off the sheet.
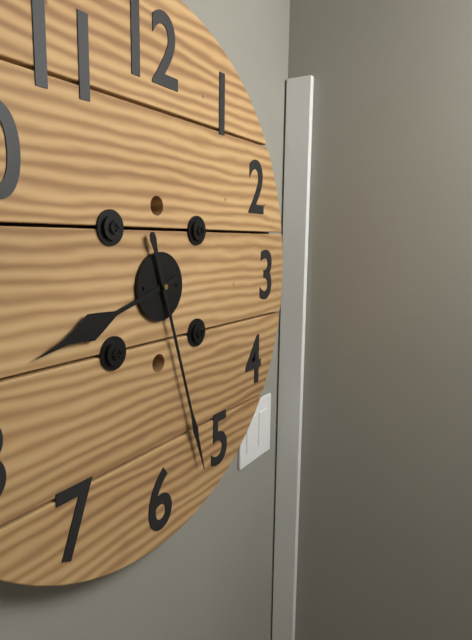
8:27
